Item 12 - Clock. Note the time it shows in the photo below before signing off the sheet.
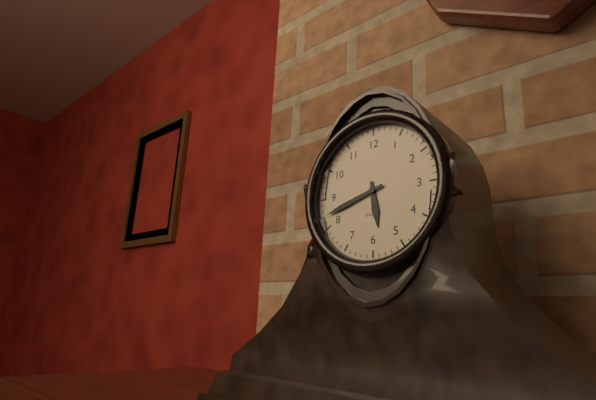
5:42
